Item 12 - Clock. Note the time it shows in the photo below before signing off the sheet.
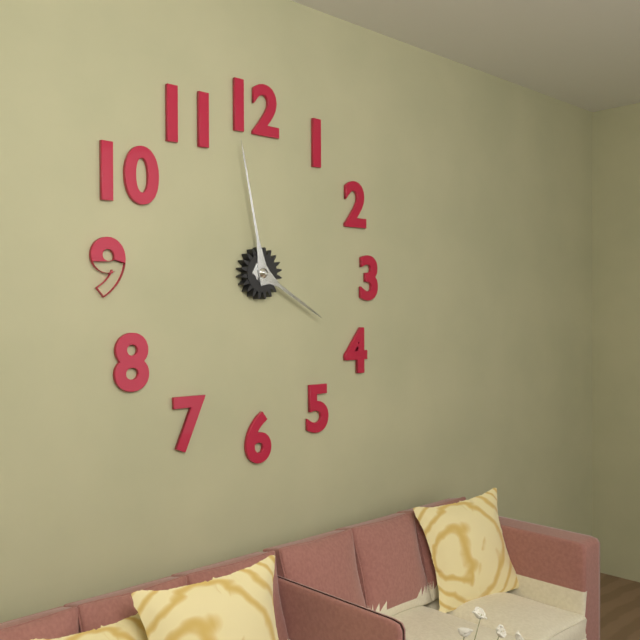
3:58
